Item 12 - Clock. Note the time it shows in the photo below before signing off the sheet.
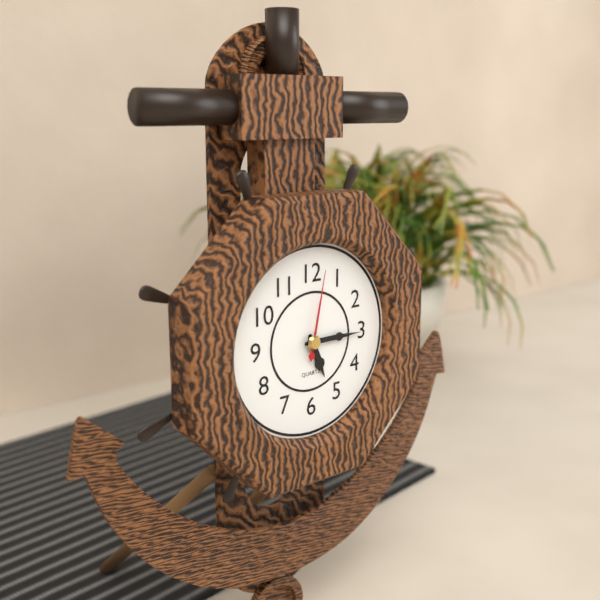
5:15:02
